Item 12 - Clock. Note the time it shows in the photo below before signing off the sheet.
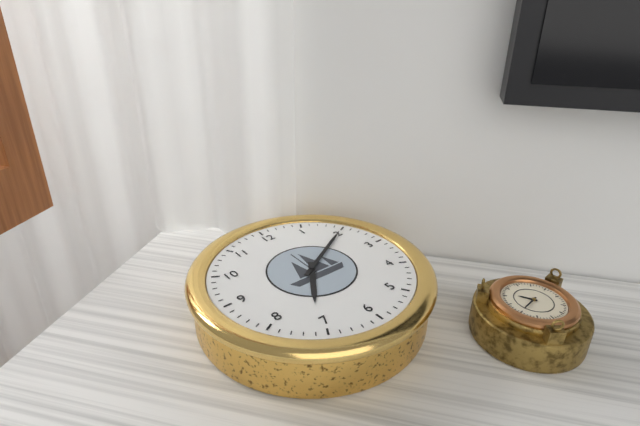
7:10
